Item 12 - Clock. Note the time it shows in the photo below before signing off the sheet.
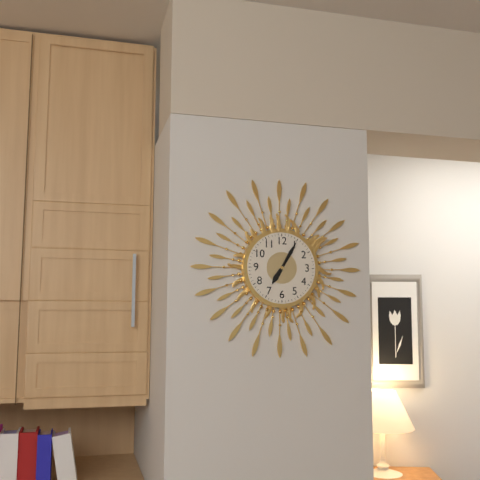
7:05
